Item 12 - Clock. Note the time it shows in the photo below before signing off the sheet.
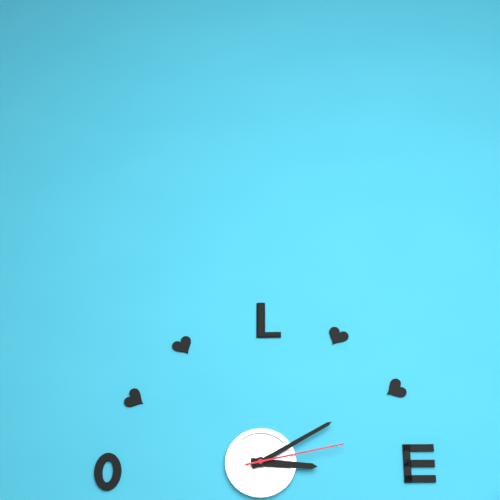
3:10:13
